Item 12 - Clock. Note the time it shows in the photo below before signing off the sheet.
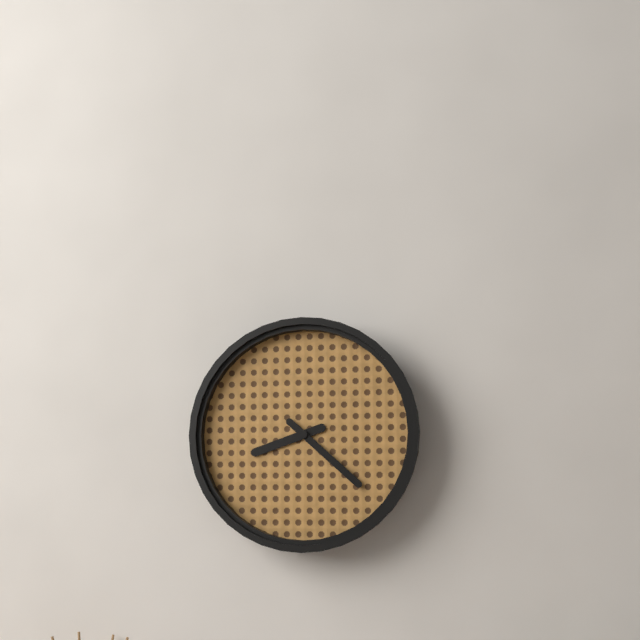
8:22
